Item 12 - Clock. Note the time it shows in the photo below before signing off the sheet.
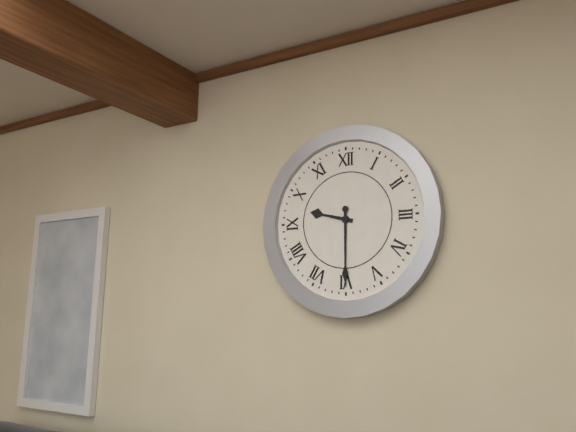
9:30
